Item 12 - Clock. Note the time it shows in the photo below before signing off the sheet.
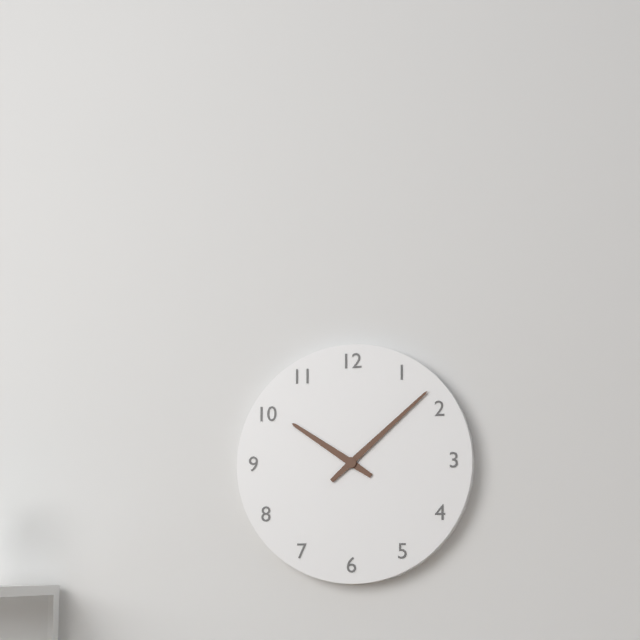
10:08
